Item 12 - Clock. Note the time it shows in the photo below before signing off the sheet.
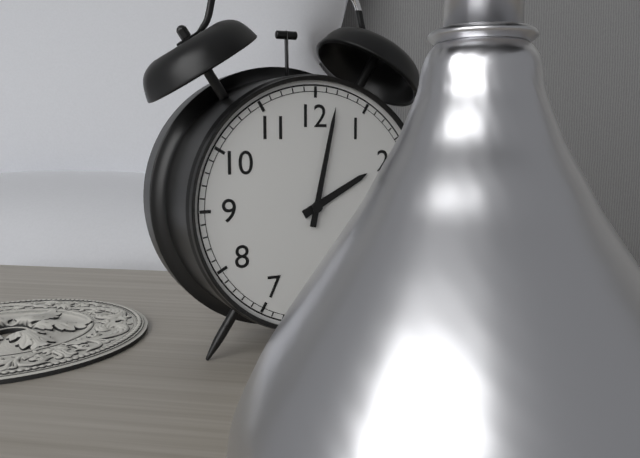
2:02
